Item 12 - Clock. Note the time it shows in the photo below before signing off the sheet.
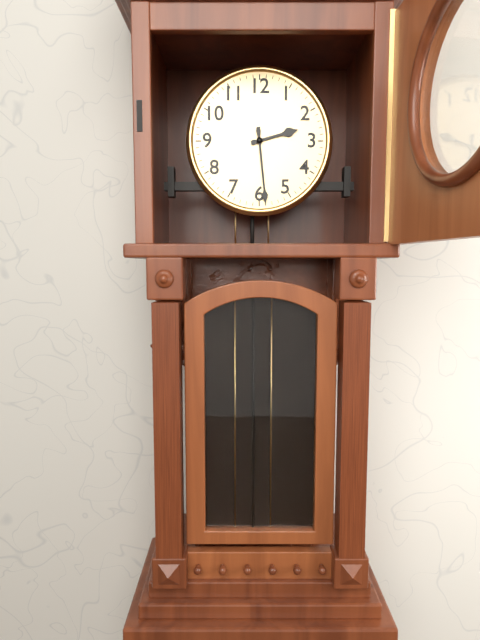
2:29
